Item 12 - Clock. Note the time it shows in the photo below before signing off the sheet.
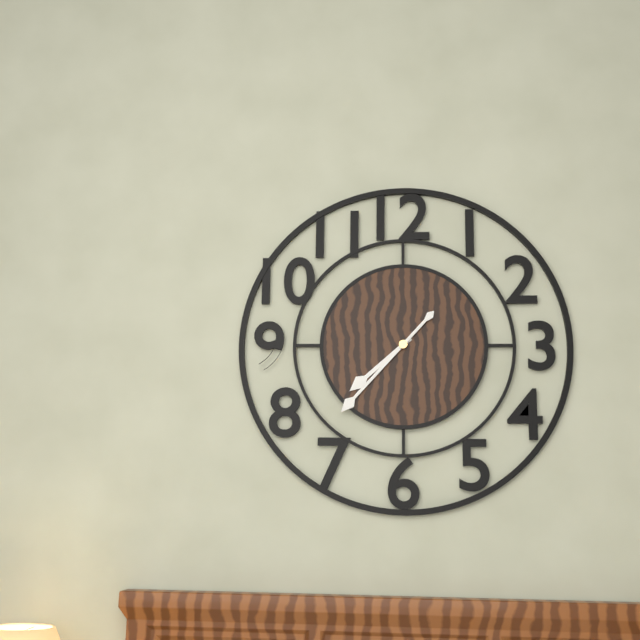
7:37
